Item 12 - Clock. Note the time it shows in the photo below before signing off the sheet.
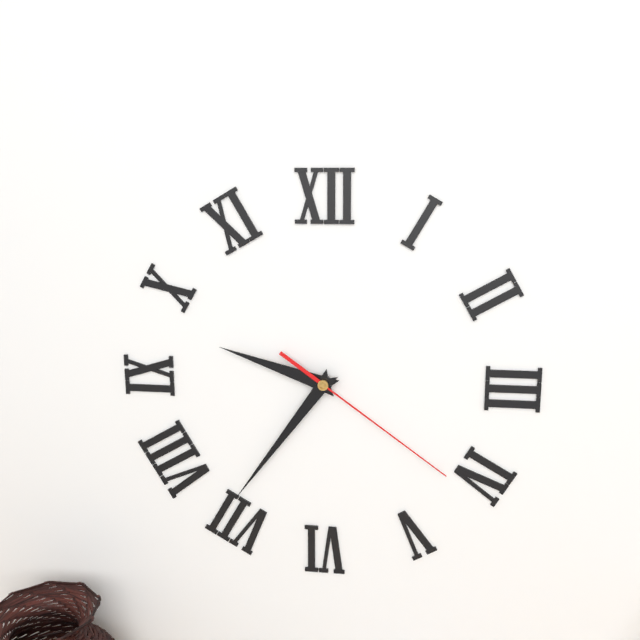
9:36:21
